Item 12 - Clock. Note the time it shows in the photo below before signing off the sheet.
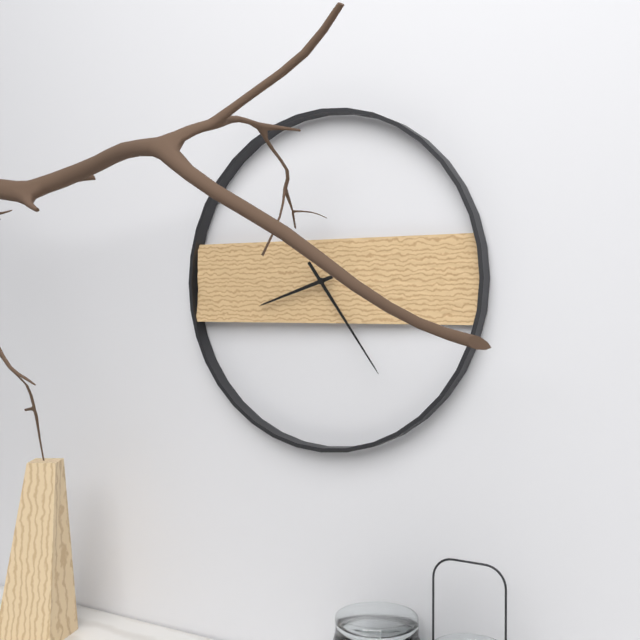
8:24
